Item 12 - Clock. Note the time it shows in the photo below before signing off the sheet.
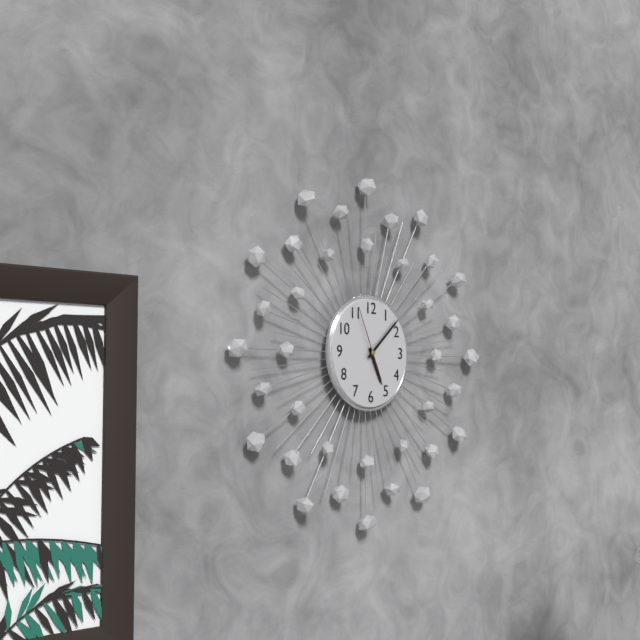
5:08:56
